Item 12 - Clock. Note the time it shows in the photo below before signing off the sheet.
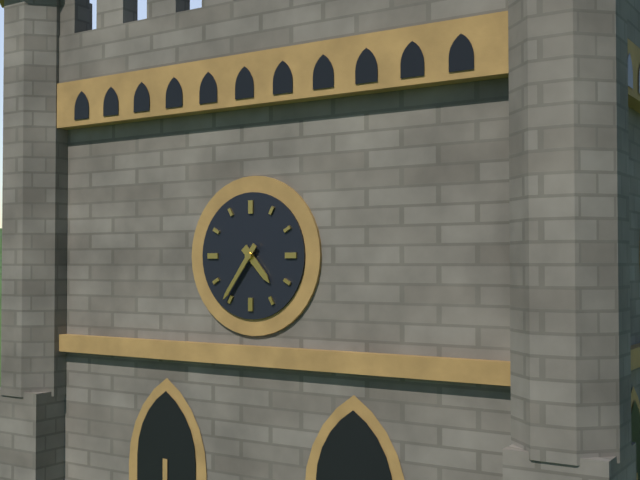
4:36
